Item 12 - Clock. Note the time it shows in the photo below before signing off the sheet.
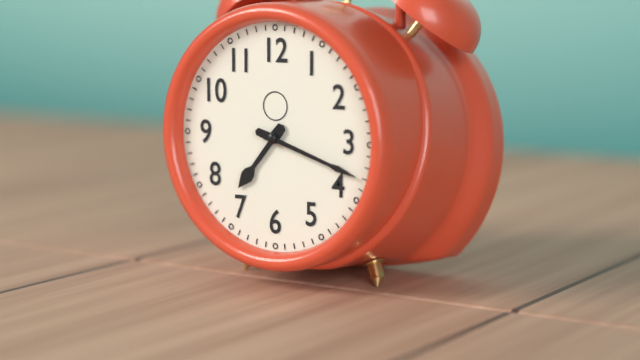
7:18
